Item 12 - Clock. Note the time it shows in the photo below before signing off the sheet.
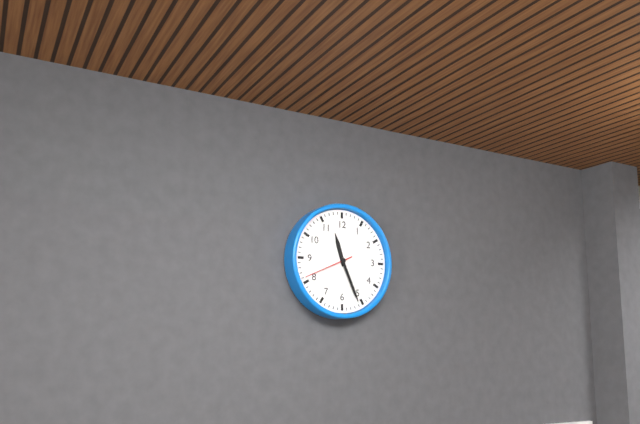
11:26
